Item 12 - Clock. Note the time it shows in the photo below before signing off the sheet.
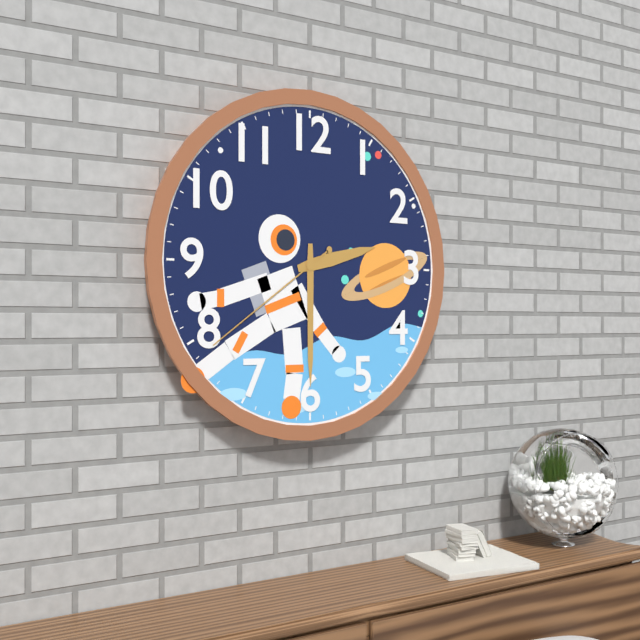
2:30:39
